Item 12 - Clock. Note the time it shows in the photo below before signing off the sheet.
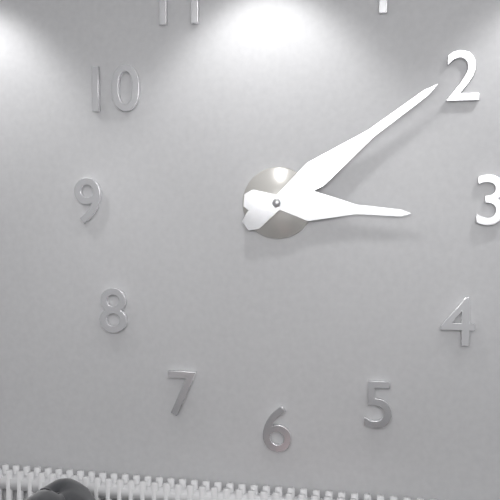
3:09
